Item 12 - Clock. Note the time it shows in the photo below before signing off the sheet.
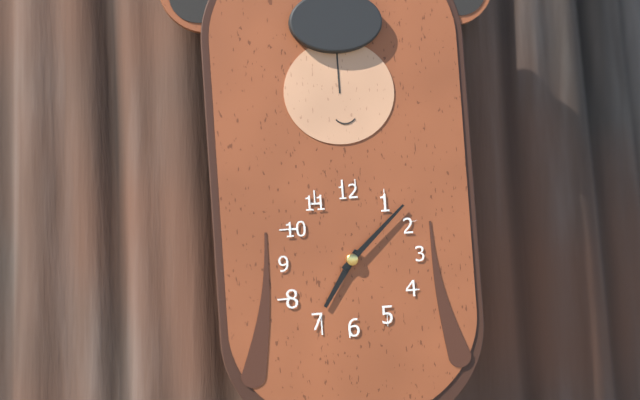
7:08
